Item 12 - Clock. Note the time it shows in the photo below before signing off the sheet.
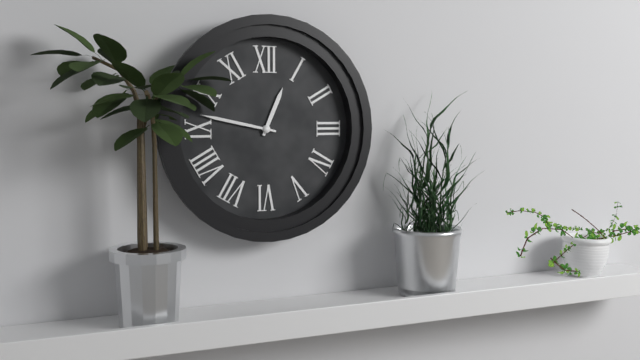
12:47
